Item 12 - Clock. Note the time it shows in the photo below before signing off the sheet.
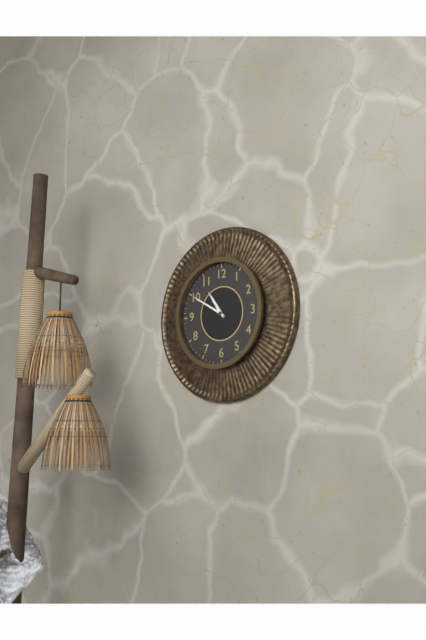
10:50
